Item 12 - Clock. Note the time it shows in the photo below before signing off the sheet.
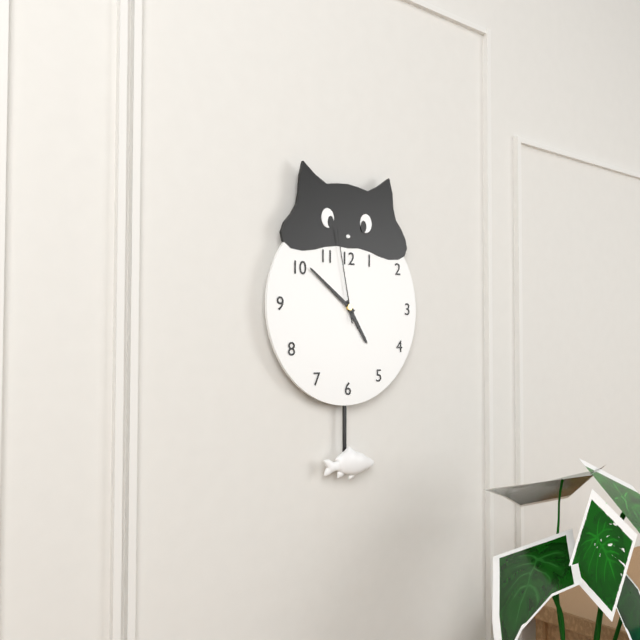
4:51:58
